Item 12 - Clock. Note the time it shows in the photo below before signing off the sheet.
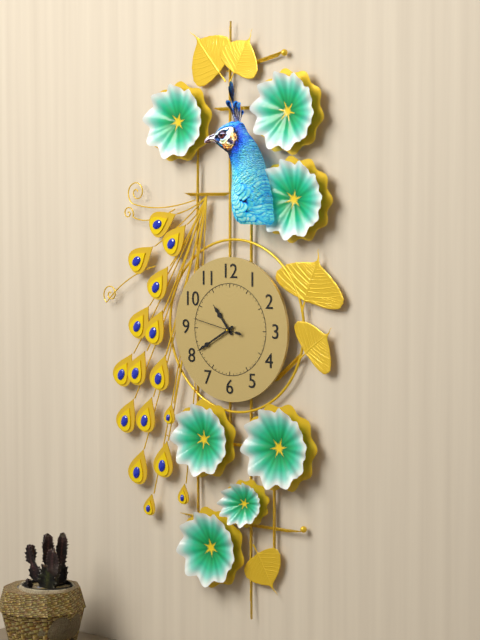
10:40
